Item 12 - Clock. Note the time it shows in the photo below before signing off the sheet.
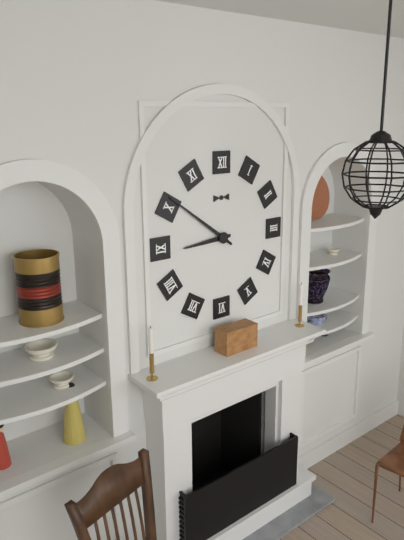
8:51
